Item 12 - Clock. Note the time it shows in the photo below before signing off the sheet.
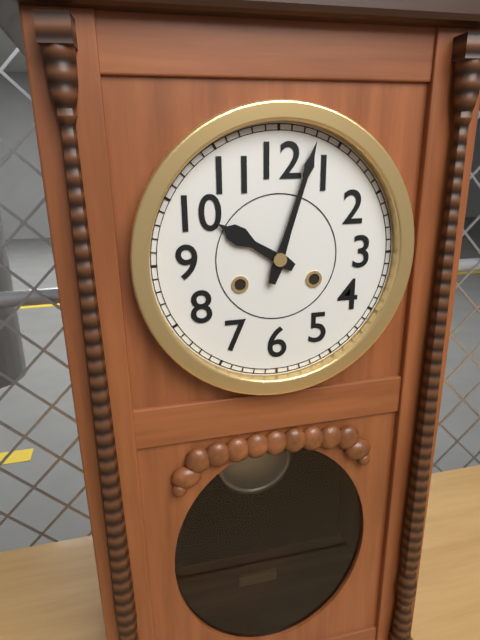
10:03
